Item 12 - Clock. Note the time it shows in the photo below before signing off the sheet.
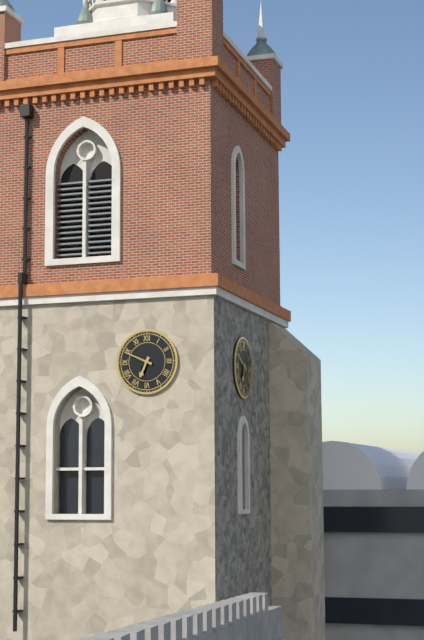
6:49
